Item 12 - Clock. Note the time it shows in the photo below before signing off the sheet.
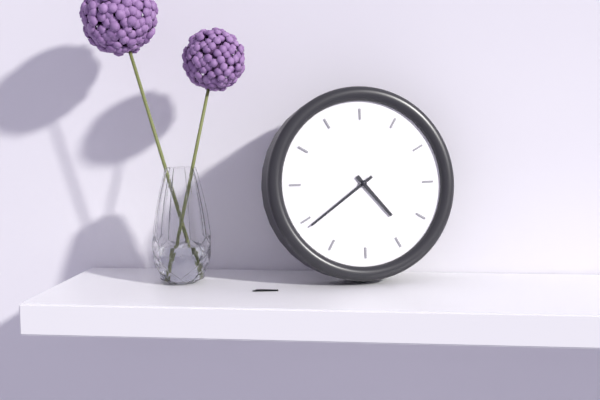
4:39
